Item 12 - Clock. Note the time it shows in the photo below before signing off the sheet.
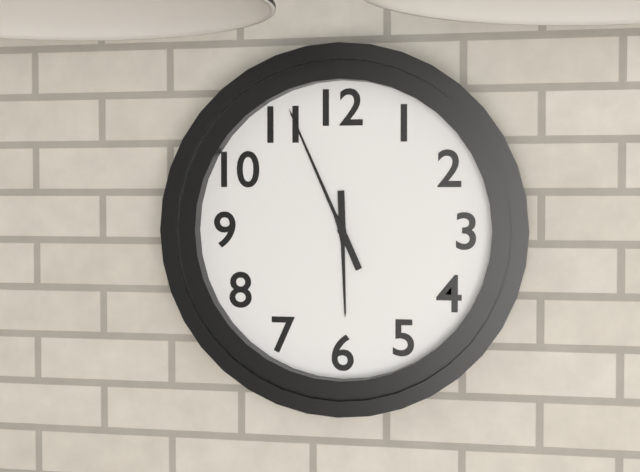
5:56
